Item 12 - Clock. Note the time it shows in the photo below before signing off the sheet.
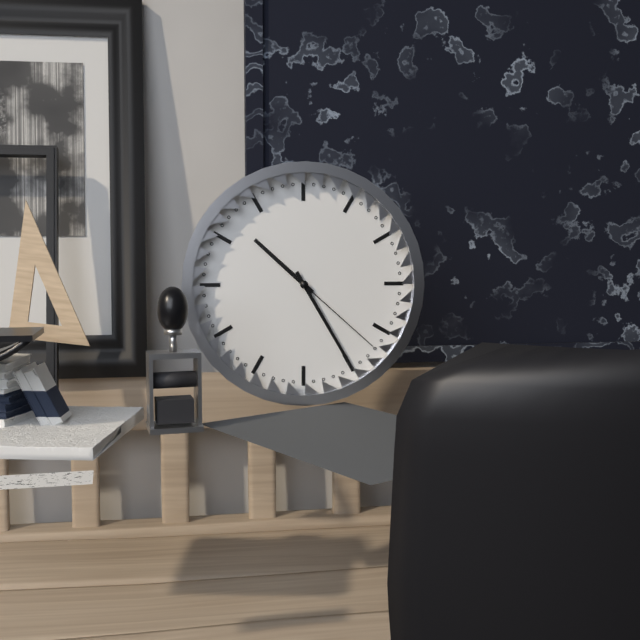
10:25:22
